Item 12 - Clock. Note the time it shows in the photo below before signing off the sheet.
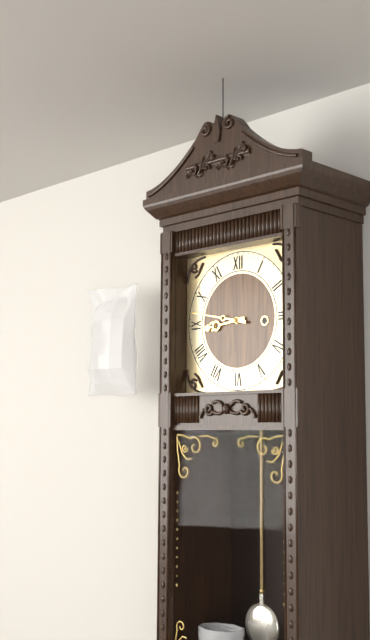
8:47
